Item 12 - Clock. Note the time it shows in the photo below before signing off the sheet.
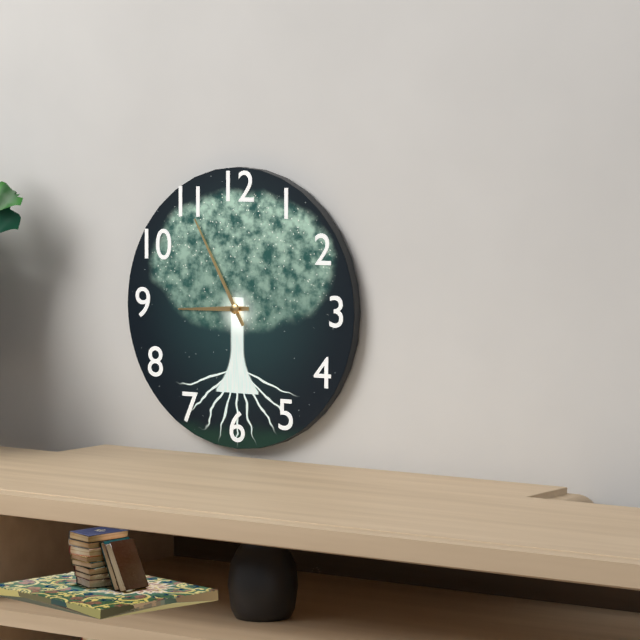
8:55
